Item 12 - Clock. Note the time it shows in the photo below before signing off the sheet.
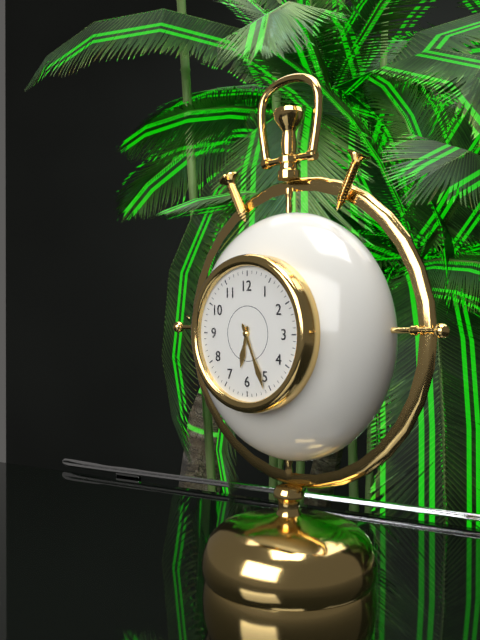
6:26
